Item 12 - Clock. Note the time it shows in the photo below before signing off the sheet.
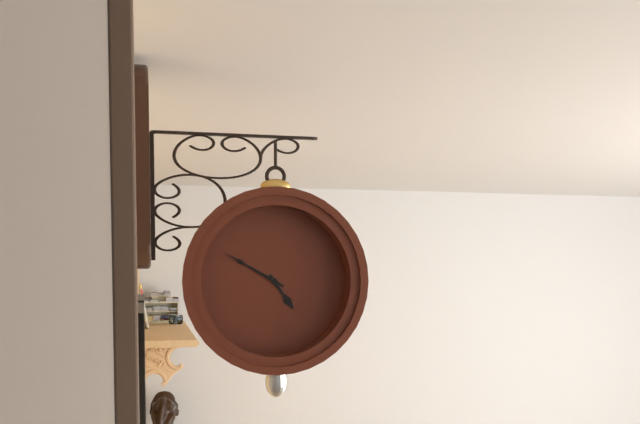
4:50
